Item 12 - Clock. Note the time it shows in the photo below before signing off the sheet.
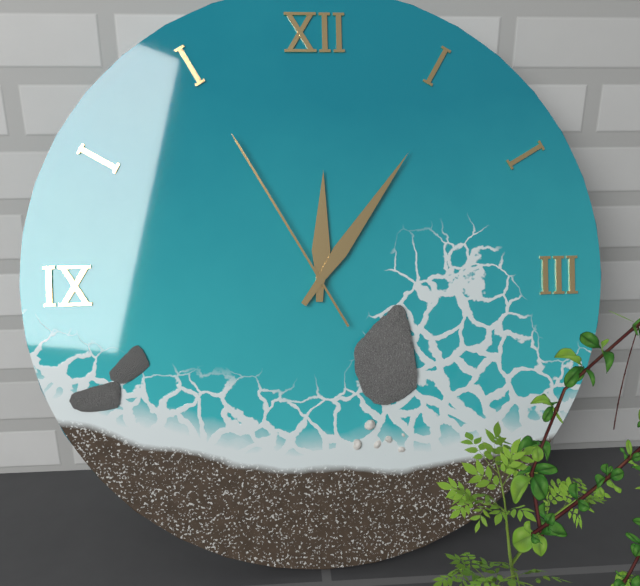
12:06:55
